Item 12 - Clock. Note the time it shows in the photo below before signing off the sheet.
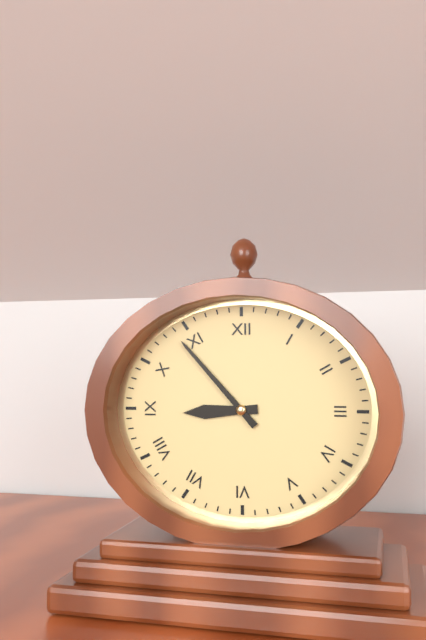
8:53
